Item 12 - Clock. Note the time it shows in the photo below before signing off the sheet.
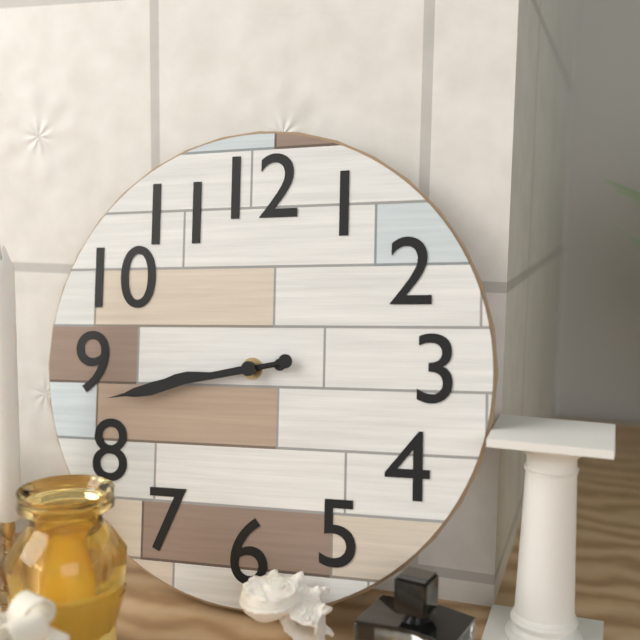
8:43
